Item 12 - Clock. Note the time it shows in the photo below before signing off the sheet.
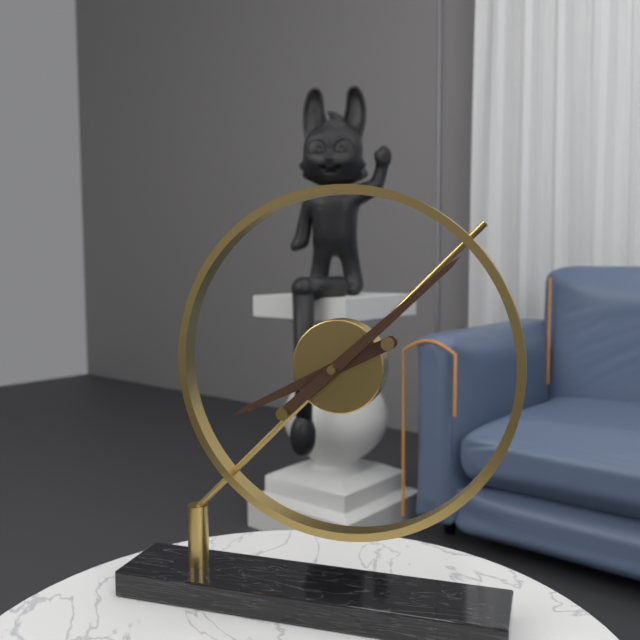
8:08
